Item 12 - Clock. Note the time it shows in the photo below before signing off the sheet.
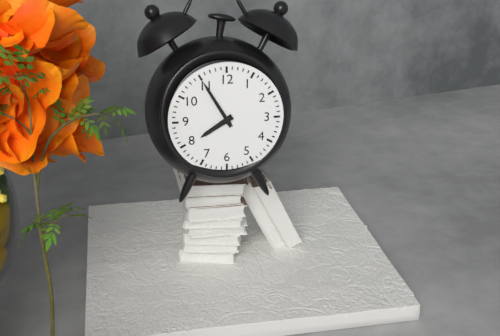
7:55
